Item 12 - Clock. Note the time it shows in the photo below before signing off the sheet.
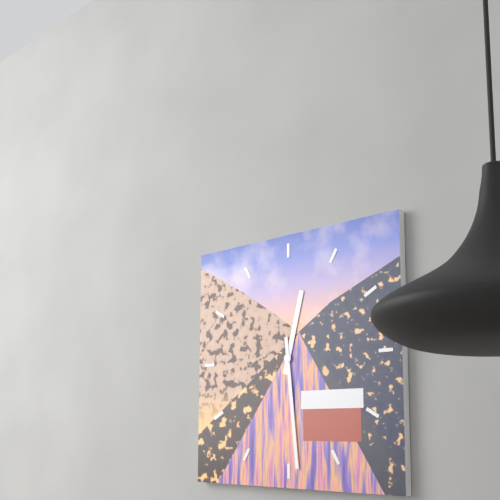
12:29
